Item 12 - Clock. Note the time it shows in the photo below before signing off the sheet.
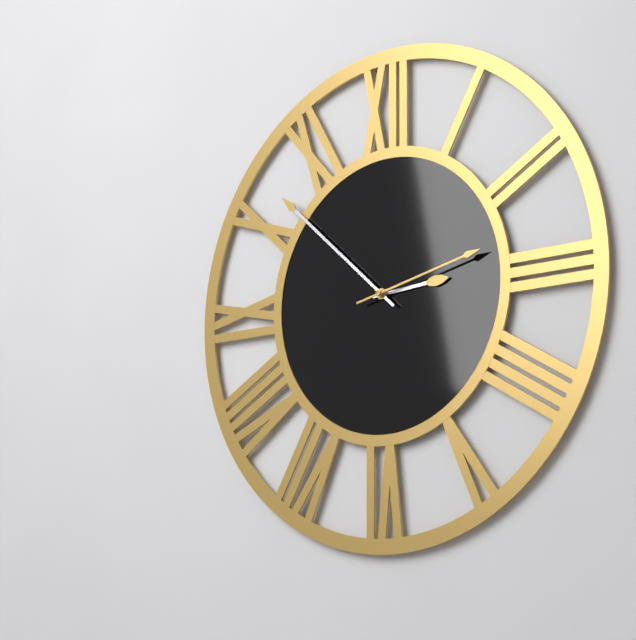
2:52:13
